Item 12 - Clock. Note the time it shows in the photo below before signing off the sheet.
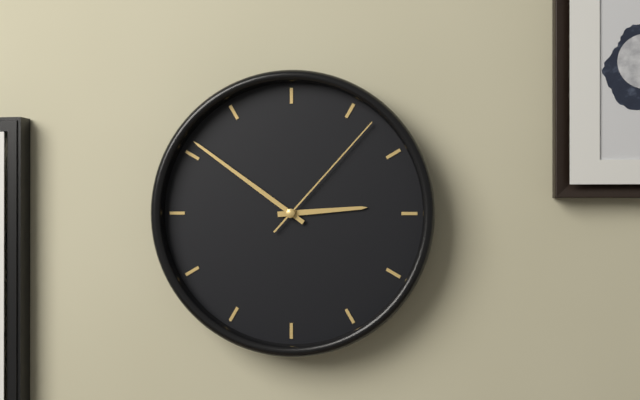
2:51:07
